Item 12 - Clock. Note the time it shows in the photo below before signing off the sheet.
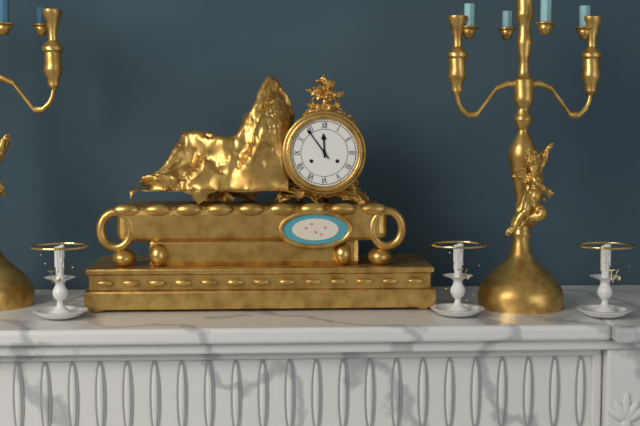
11:54
